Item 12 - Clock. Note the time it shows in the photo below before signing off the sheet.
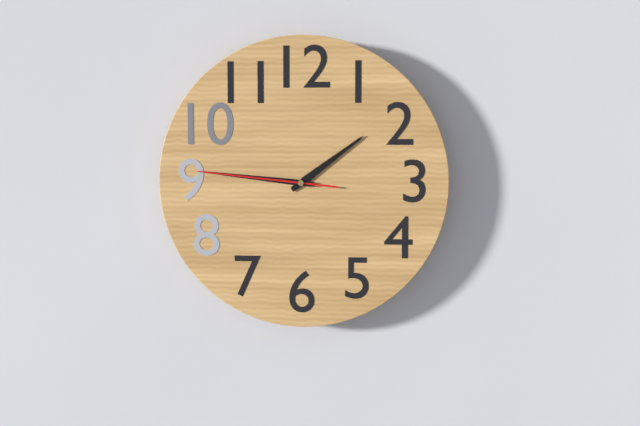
1:46:46
